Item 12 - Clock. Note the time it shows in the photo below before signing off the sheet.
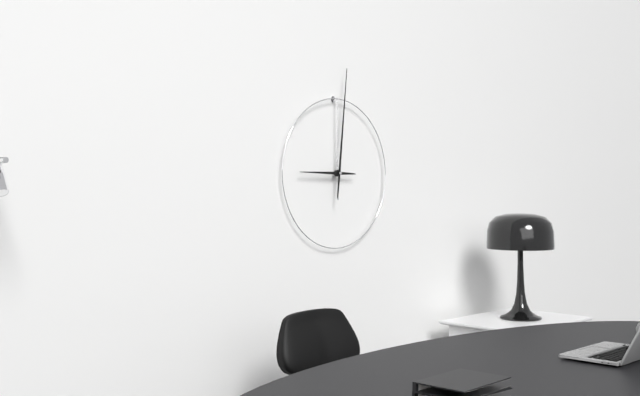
9:01
